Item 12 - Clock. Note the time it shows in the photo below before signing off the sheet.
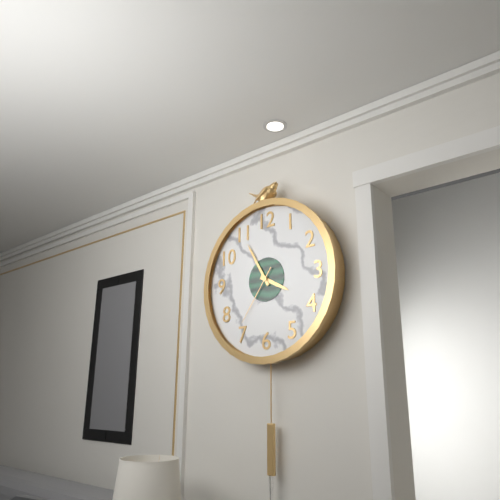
3:55:36
